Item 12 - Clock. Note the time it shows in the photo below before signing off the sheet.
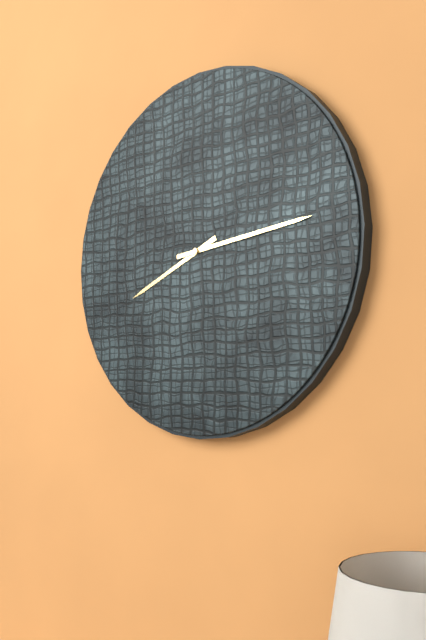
8:14
